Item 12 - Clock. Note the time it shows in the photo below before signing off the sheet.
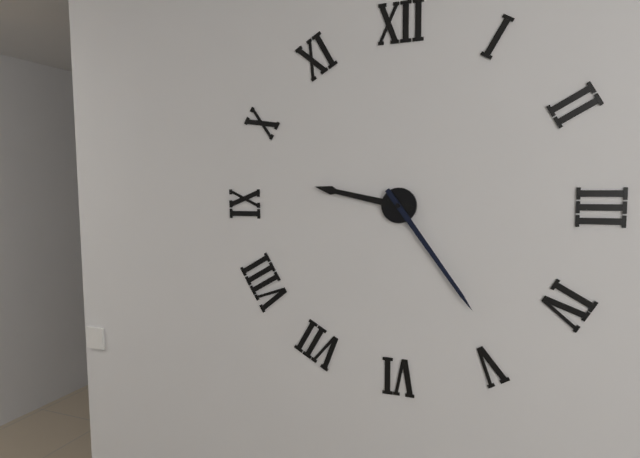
9:24
